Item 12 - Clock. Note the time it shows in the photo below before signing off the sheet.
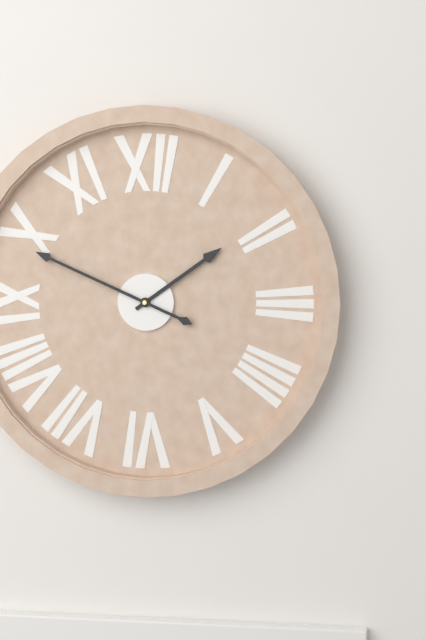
1:49
